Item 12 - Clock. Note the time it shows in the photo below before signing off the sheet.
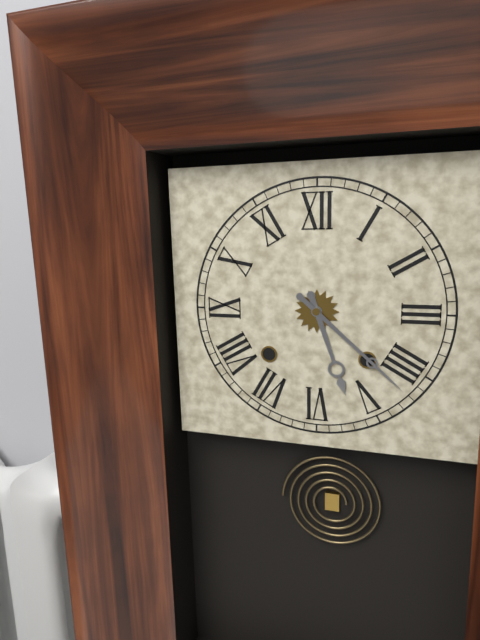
5:22
